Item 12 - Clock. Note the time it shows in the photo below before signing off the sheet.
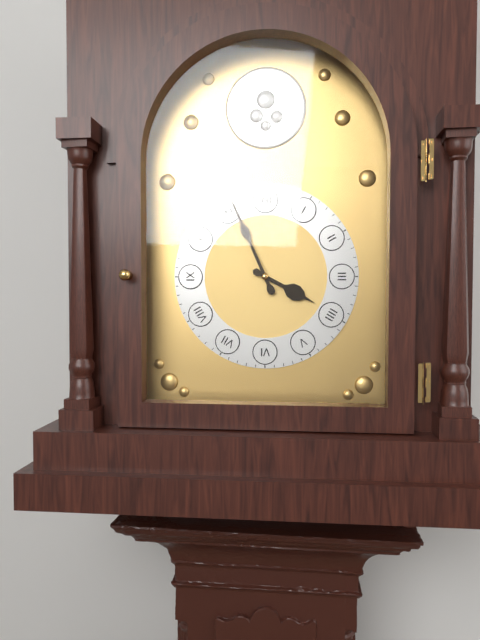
3:56
